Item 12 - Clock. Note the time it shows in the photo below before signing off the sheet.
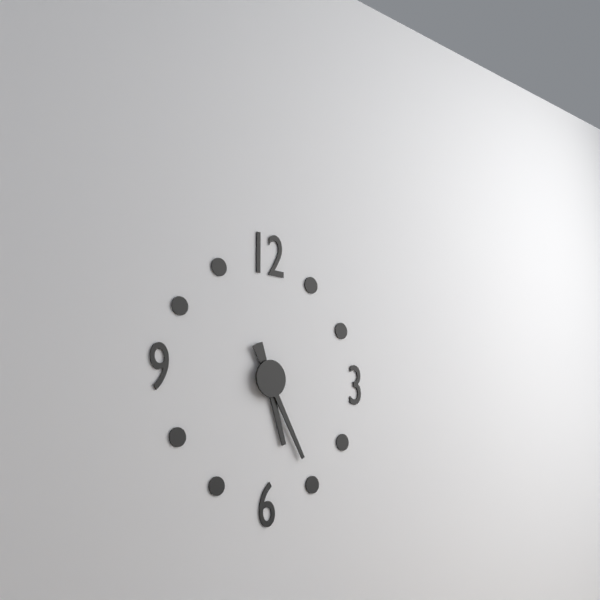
5:25
